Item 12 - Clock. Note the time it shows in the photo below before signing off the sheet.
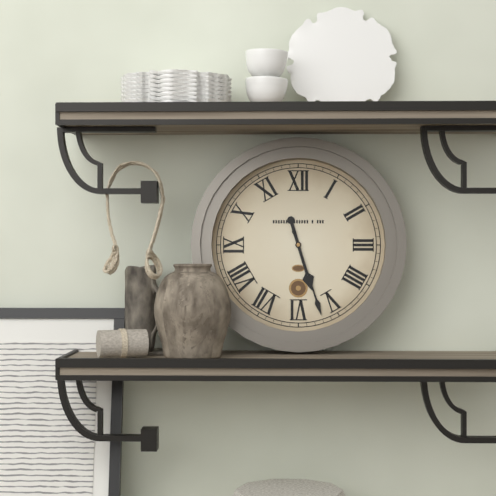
5:27
